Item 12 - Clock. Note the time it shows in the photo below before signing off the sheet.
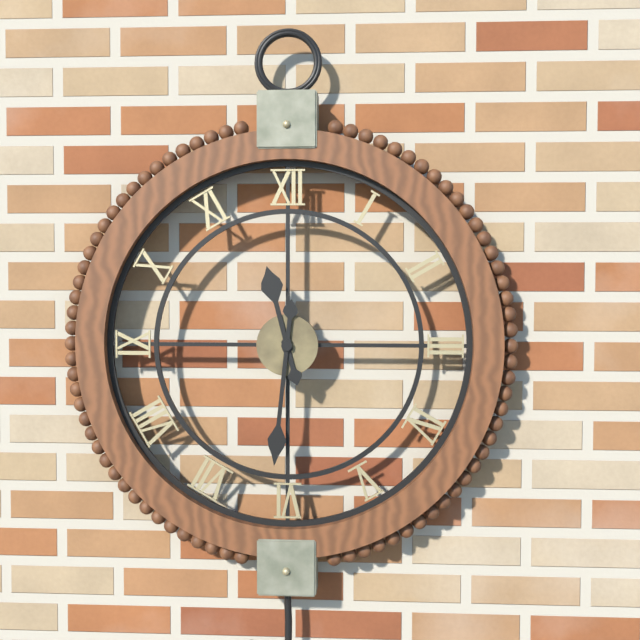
11:31
